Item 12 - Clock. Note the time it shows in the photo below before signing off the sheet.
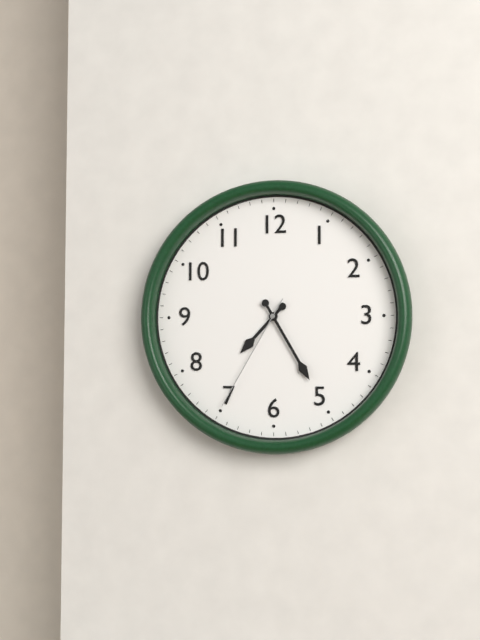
7:25:35
